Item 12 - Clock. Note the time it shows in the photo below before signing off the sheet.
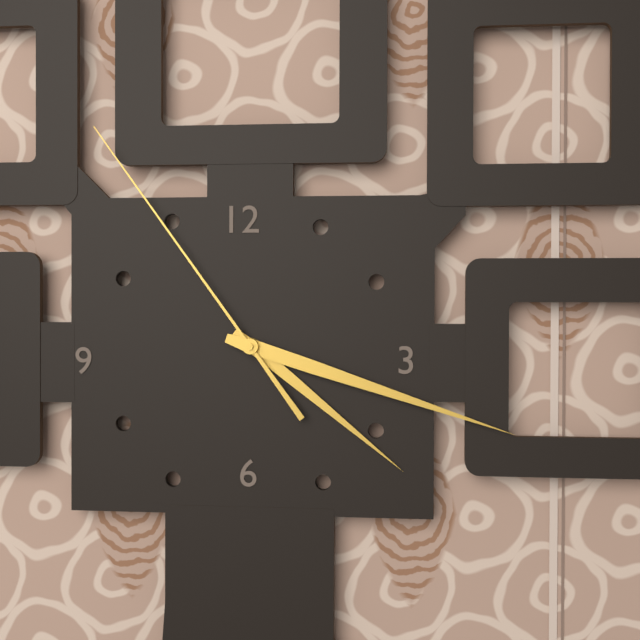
4:18:54
